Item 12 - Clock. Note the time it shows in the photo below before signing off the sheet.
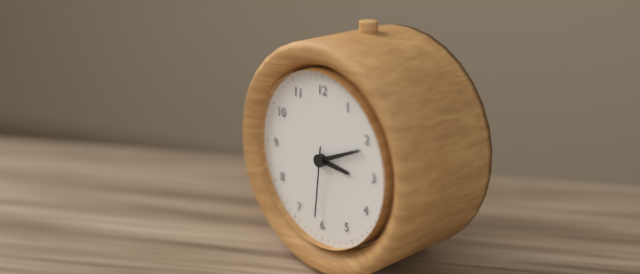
3:11:31
